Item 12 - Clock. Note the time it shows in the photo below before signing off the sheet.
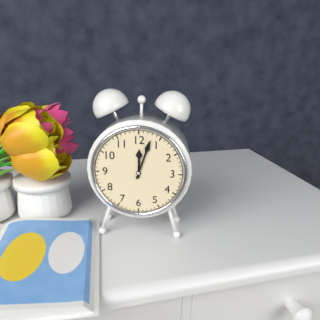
12:03
